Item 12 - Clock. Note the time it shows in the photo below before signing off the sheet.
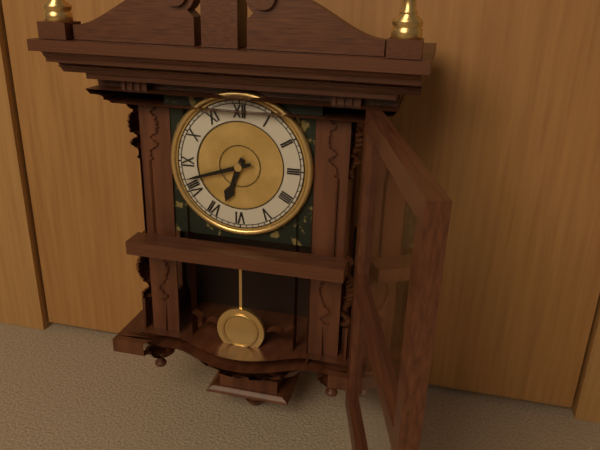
6:42
